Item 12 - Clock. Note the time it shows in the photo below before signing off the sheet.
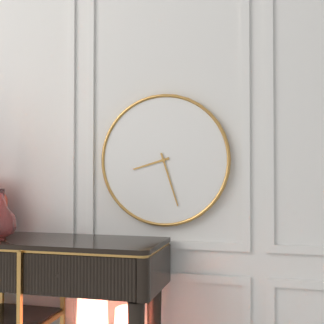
8:27
